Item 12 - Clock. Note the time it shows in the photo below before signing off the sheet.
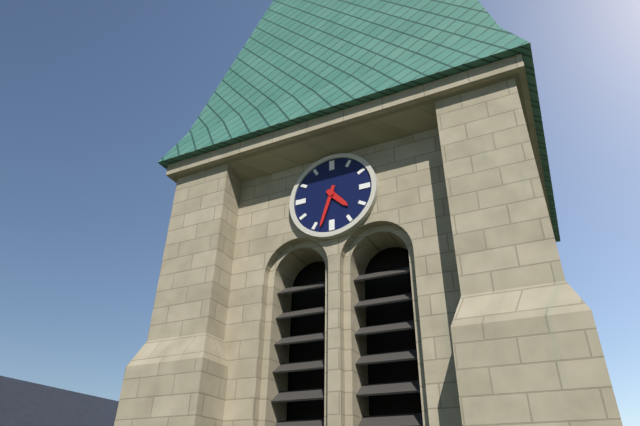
4:33
